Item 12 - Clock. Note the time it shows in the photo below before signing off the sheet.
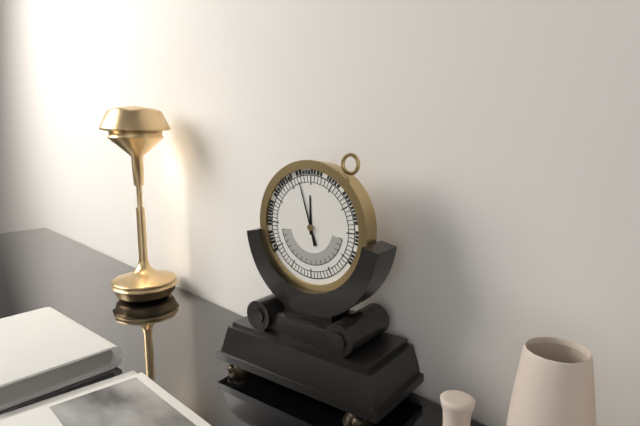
11:57
